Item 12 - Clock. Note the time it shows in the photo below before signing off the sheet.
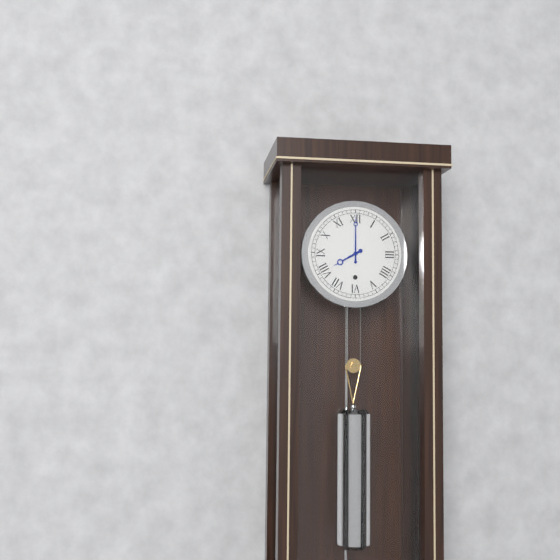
8:00
